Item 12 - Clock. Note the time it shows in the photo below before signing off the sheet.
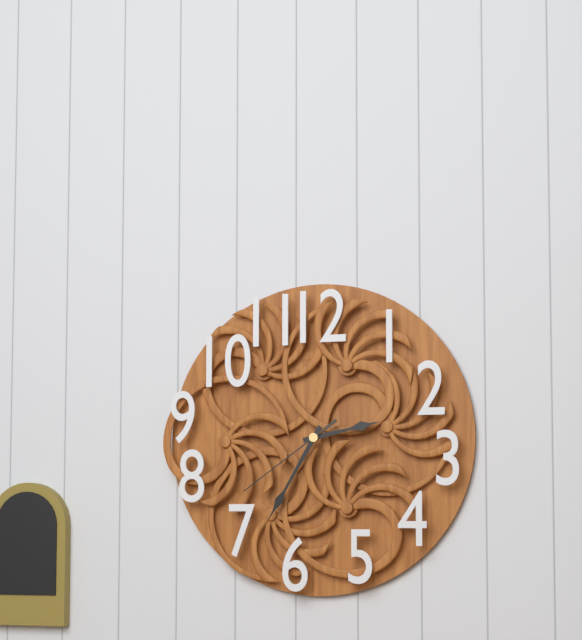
2:35:39
